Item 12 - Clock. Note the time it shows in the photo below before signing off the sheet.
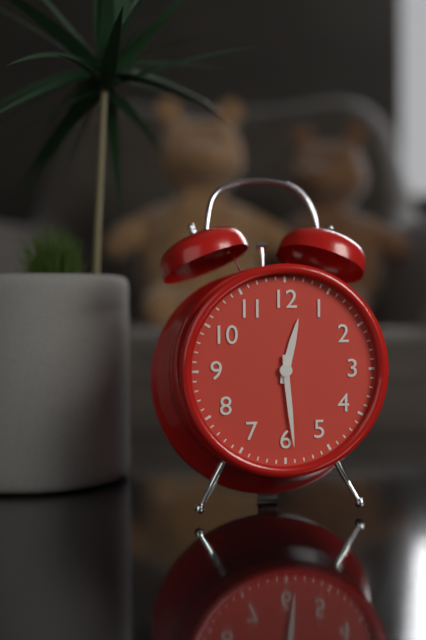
12:29
